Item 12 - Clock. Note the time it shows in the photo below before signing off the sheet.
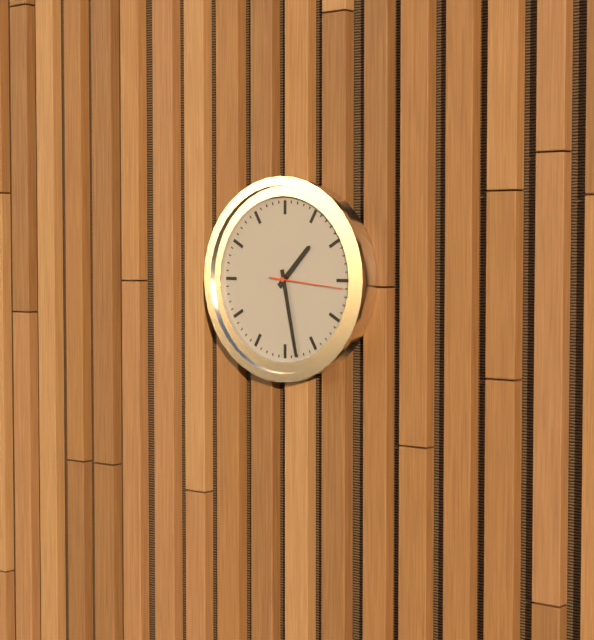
1:28:16
